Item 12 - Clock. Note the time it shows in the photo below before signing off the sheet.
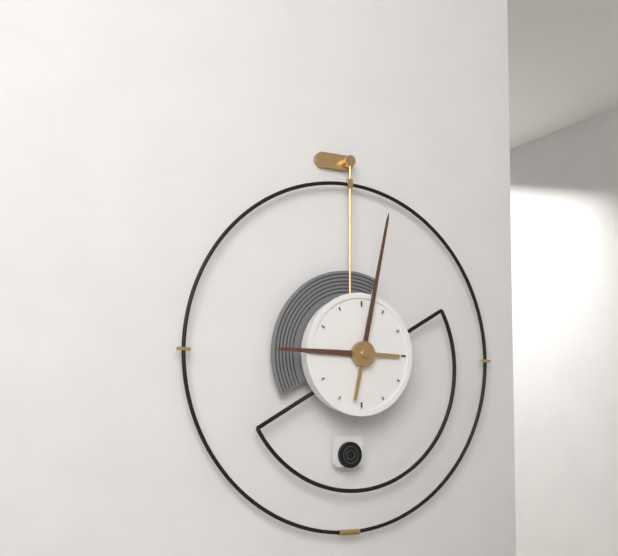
9:02
